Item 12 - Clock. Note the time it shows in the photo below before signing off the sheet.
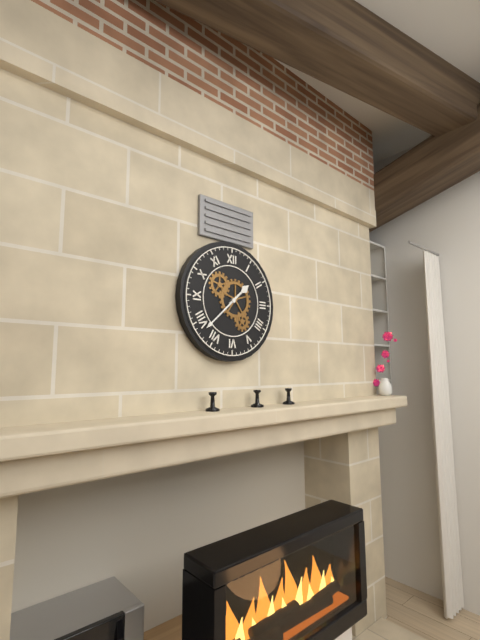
1:38
